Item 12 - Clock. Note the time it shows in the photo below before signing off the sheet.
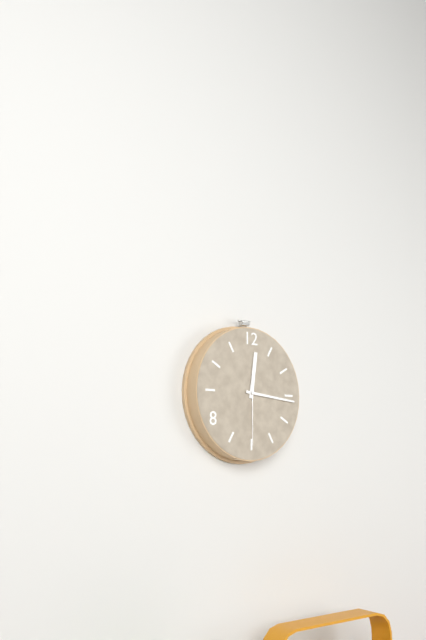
12:16:30
